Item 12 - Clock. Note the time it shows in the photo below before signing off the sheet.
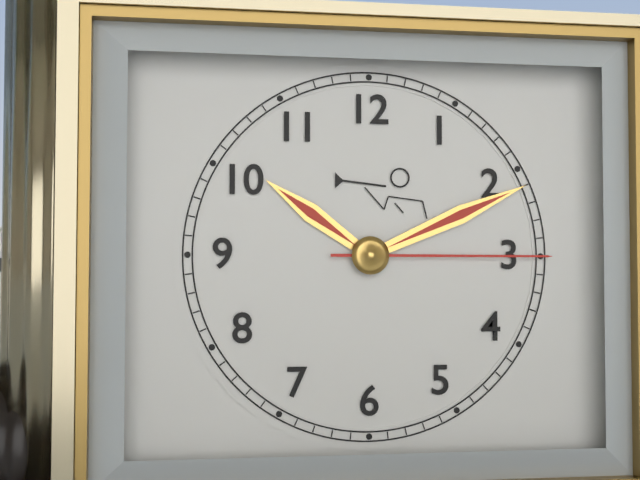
10:11:15
